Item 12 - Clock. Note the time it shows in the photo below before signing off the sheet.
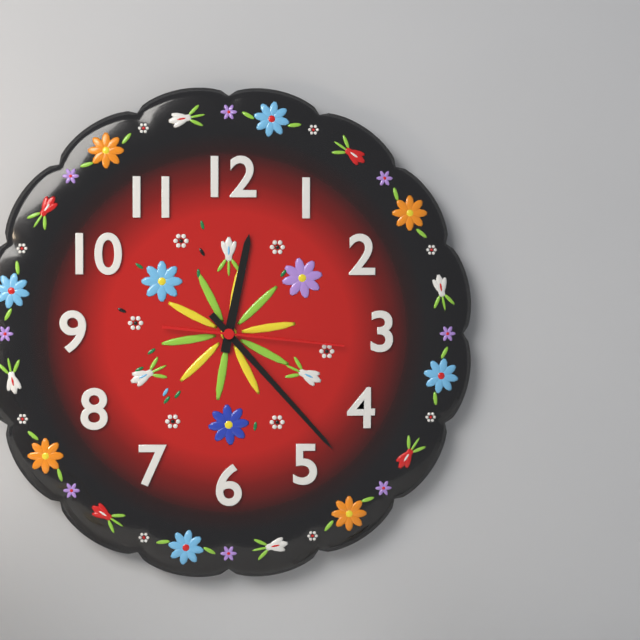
12:23:16
